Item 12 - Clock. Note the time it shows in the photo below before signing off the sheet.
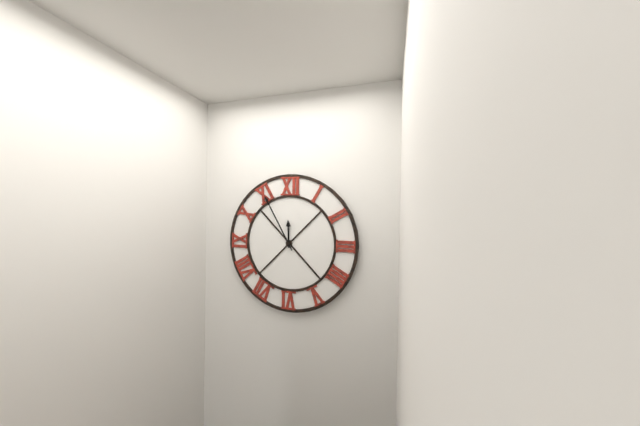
11:55
